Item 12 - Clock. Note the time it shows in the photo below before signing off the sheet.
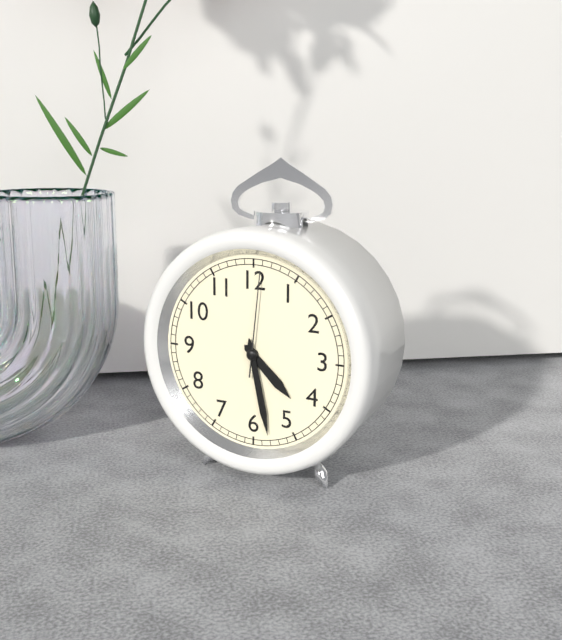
4:28:01
